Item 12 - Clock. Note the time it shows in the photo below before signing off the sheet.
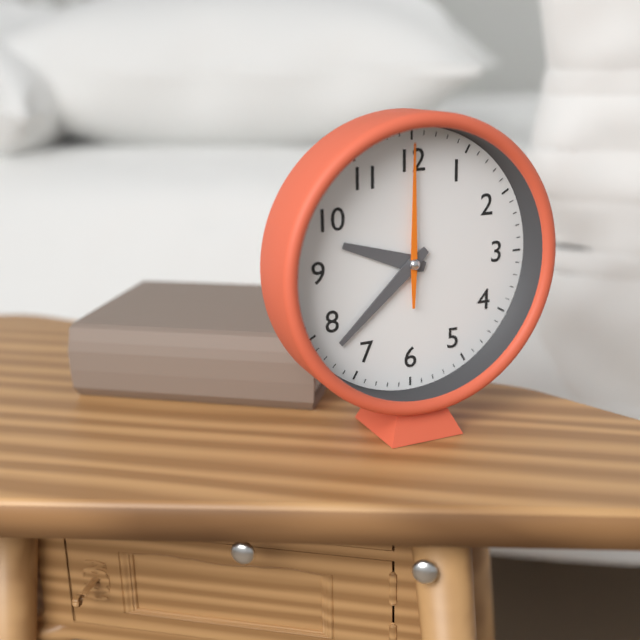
9:38:00
